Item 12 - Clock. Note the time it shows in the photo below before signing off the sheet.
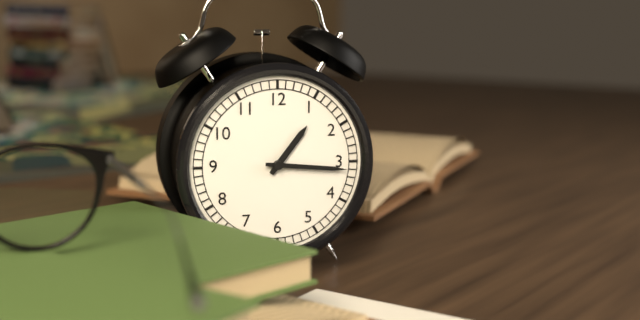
1:16
